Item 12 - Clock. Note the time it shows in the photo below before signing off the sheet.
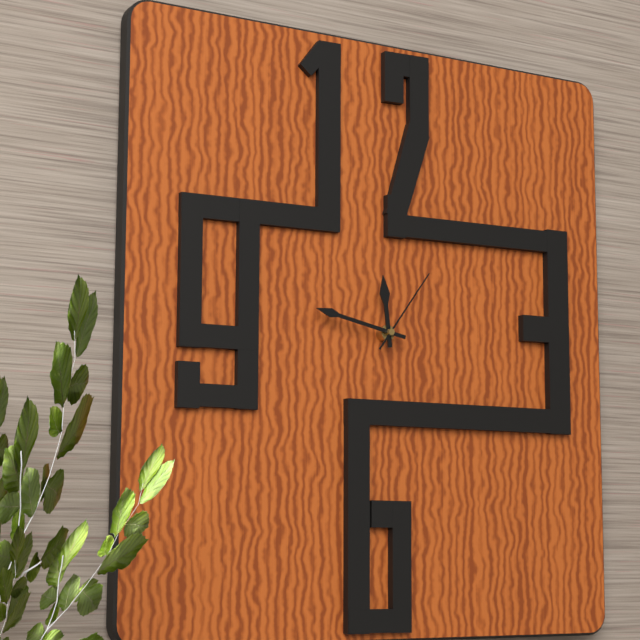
11:47:06
